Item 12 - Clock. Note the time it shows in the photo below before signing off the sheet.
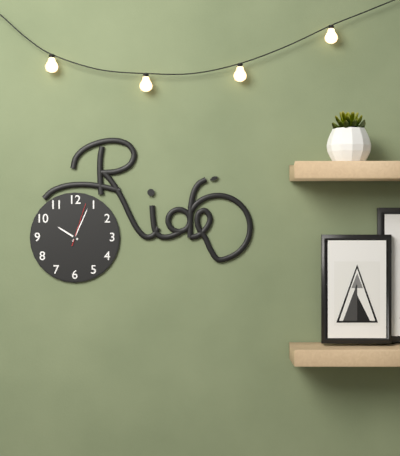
10:04
